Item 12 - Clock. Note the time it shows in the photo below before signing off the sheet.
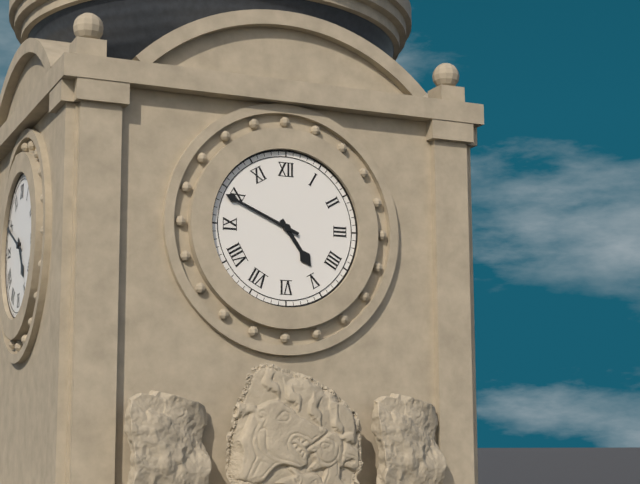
4:49
